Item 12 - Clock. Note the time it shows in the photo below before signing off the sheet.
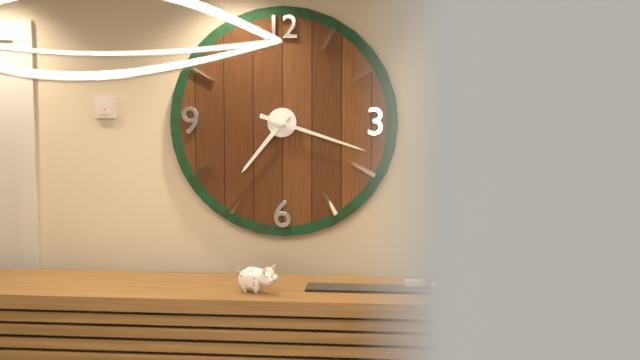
7:18
